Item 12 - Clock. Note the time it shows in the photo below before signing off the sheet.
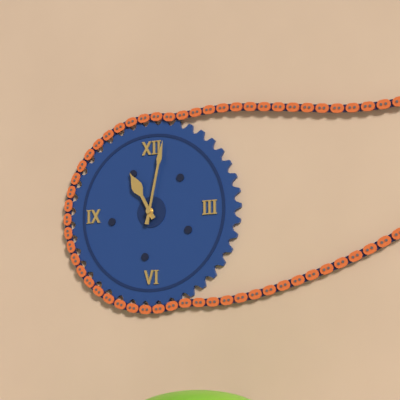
11:02
